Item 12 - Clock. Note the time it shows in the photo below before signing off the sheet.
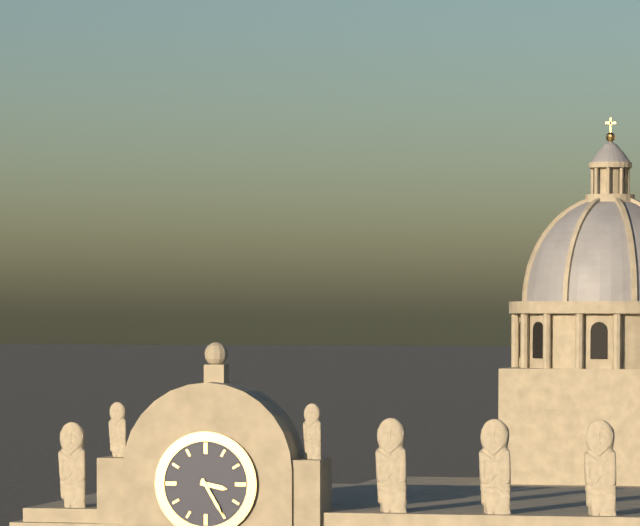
3:25
